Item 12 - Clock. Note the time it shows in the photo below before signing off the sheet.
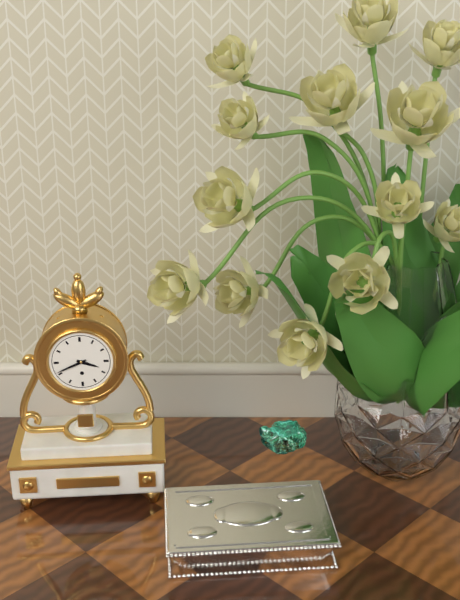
3:41
